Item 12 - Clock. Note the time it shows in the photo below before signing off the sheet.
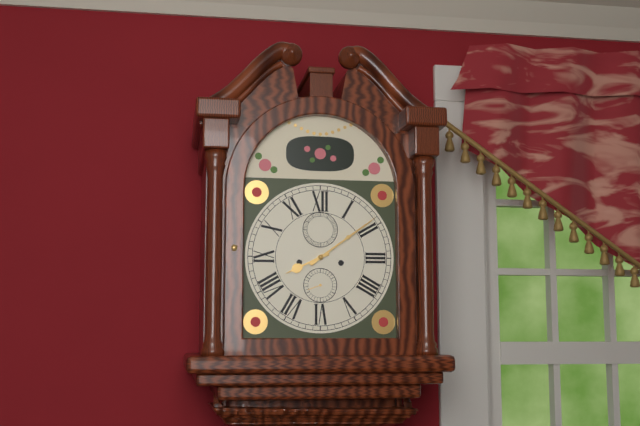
8:09
